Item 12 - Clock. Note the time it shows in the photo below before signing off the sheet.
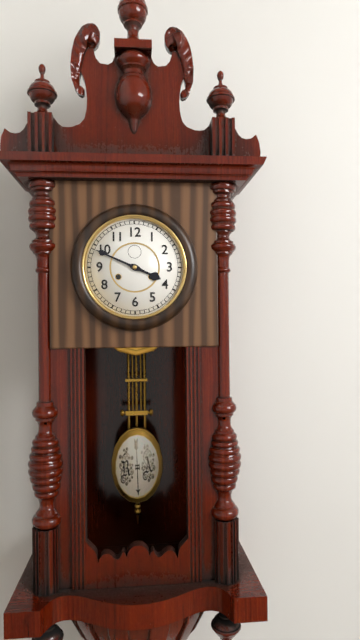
3:49
